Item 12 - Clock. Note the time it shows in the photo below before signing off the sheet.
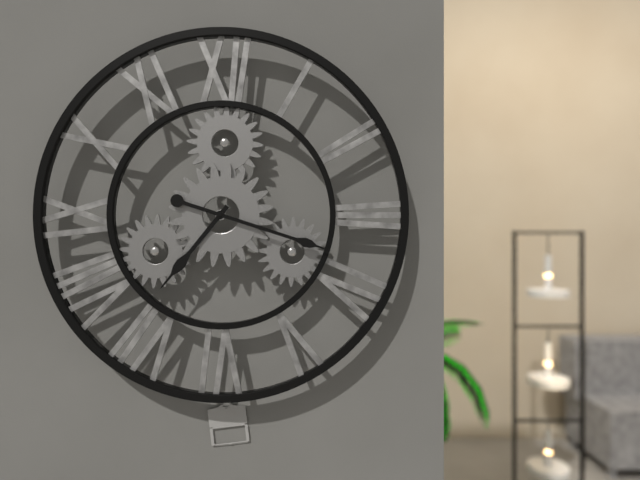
7:18
